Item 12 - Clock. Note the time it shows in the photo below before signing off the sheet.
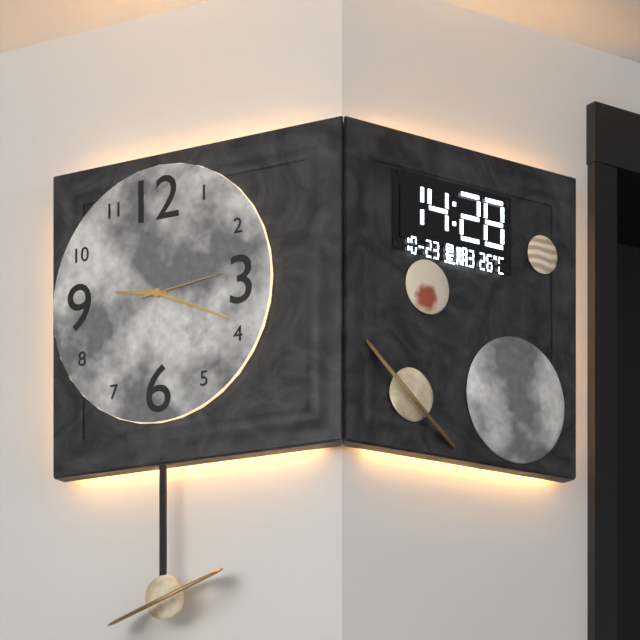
9:19:14
